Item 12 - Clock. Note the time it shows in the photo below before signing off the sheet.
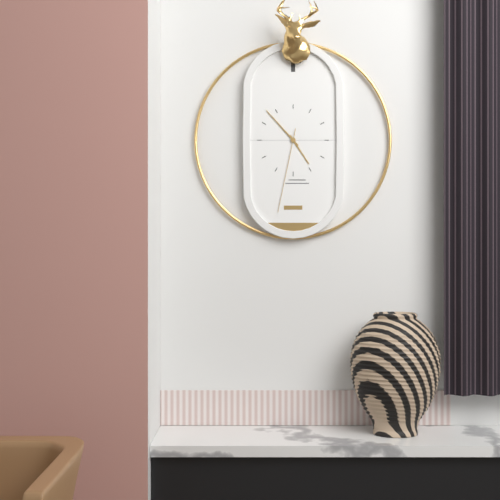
4:53:32
